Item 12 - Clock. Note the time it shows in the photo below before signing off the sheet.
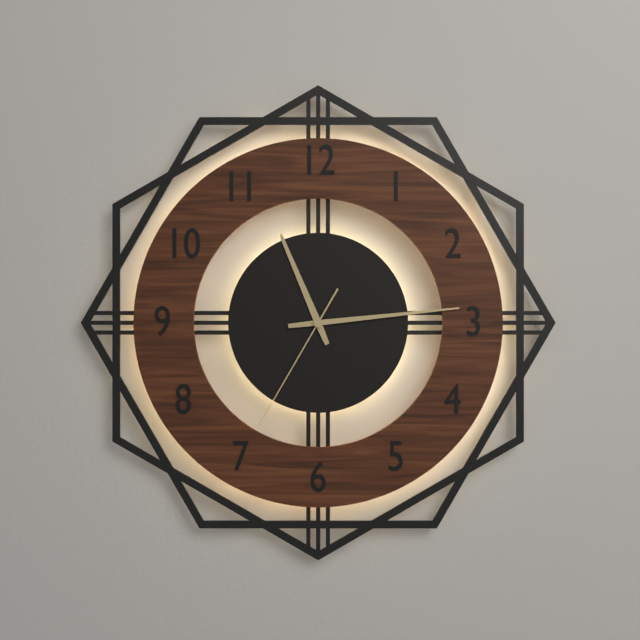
11:14:35
